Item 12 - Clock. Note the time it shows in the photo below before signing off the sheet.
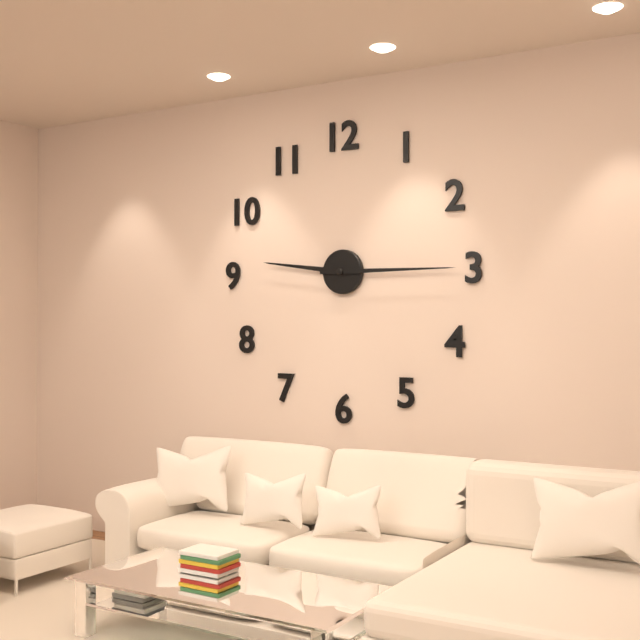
9:15
